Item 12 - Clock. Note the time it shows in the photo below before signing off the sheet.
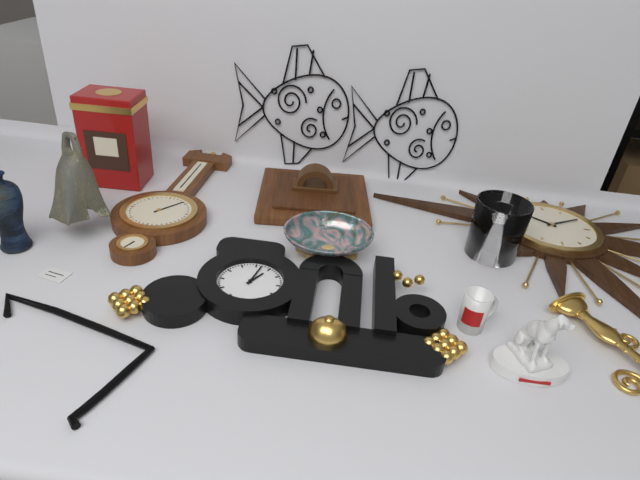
1:02
